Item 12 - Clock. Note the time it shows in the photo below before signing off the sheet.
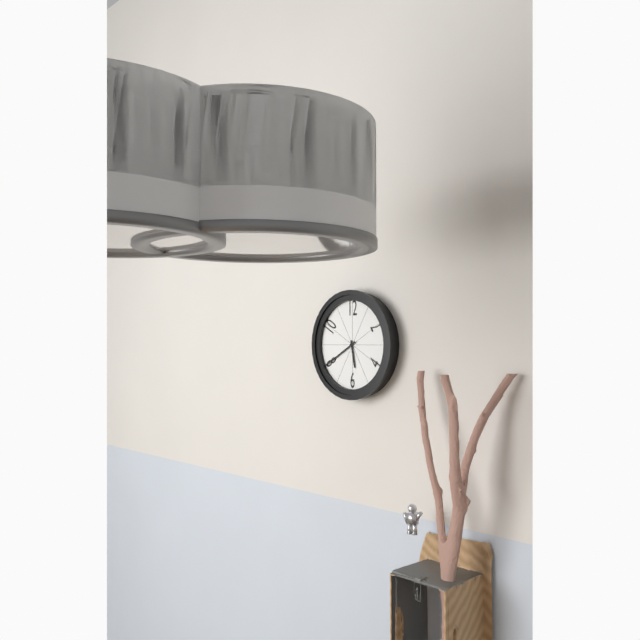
5:40
